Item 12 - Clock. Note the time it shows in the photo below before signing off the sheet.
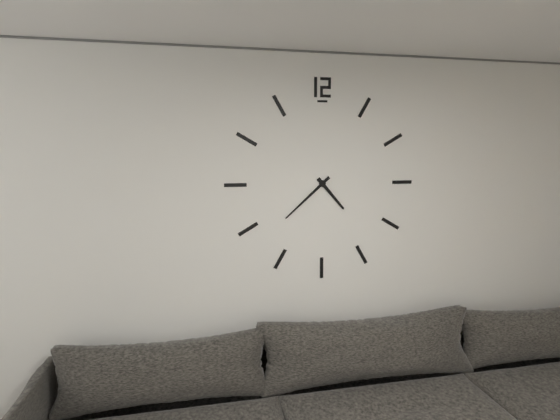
4:38
